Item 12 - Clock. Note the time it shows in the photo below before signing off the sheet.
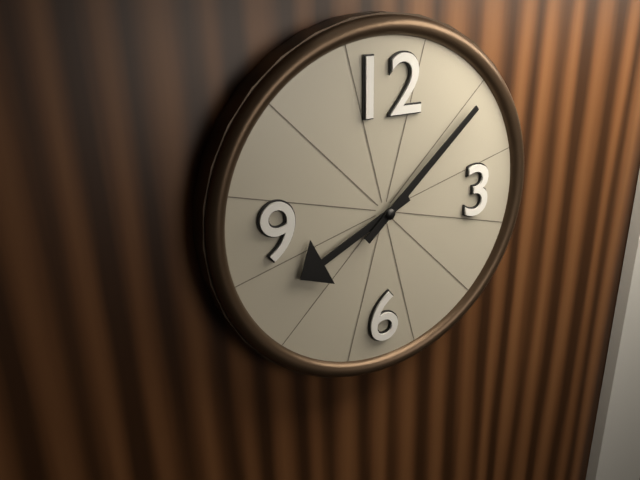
8:08
